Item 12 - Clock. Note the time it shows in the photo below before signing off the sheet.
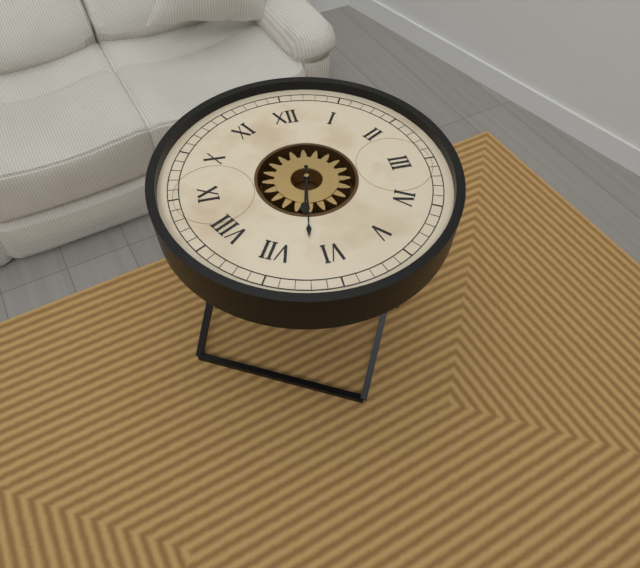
6:32
